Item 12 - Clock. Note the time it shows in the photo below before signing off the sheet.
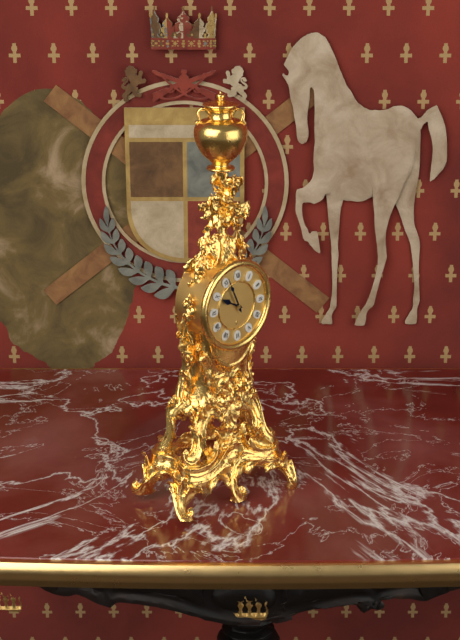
9:56
